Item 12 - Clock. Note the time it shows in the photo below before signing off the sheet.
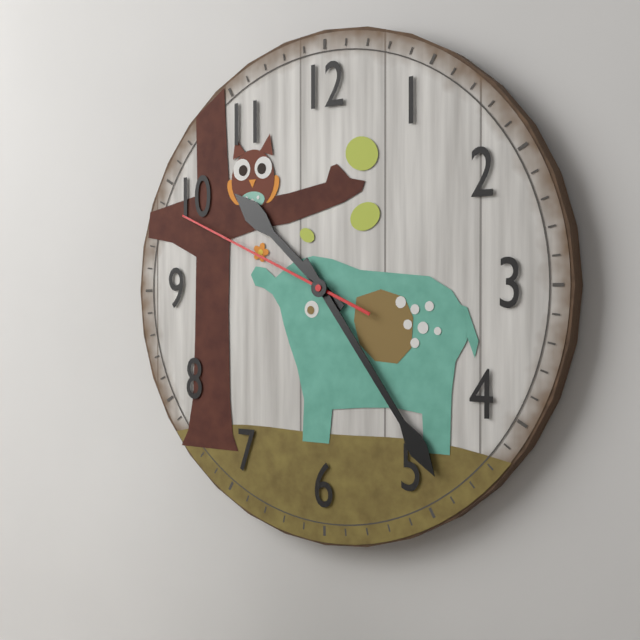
10:24:49
